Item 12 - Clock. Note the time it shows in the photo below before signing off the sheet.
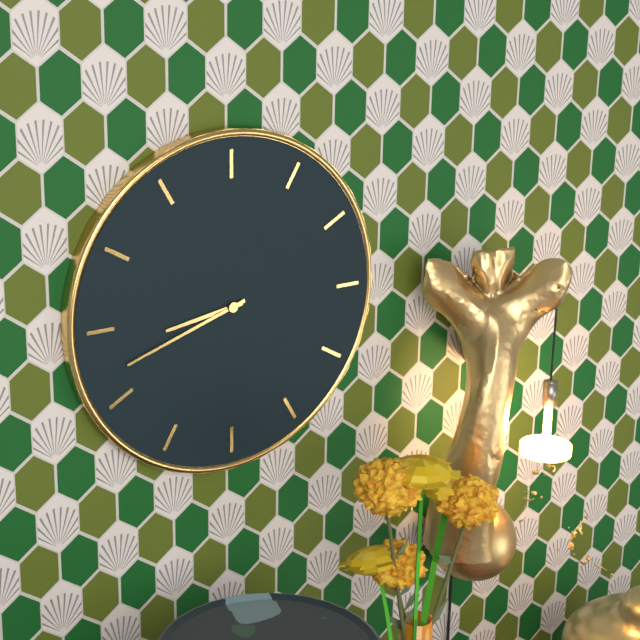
8:42
